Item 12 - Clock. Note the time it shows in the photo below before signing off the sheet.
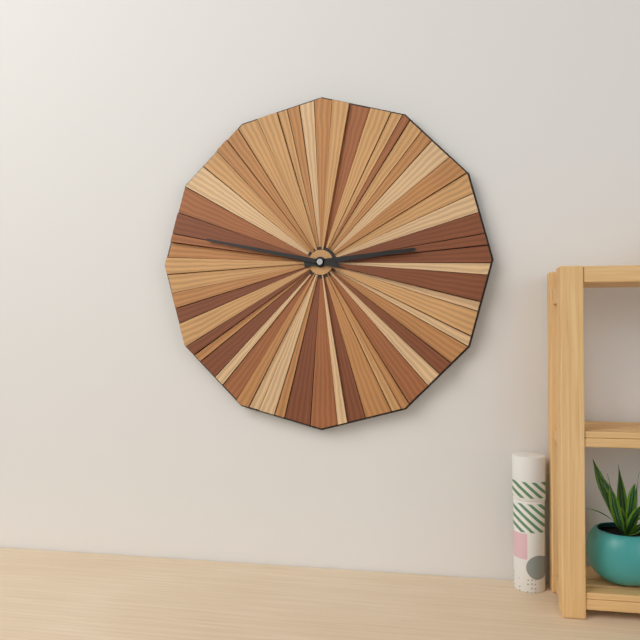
2:47
